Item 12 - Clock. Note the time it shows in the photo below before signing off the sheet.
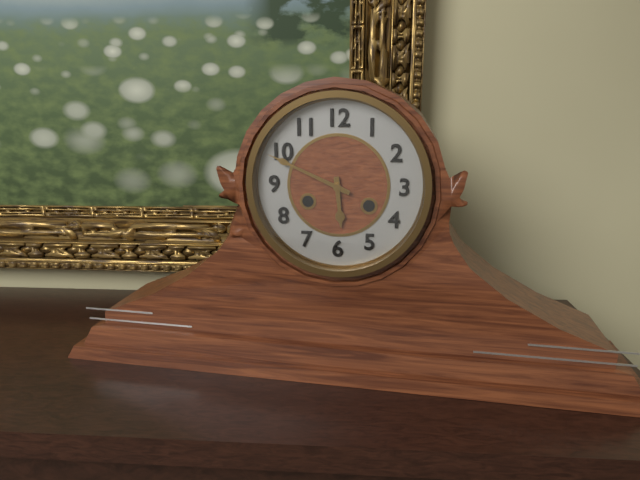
5:49
